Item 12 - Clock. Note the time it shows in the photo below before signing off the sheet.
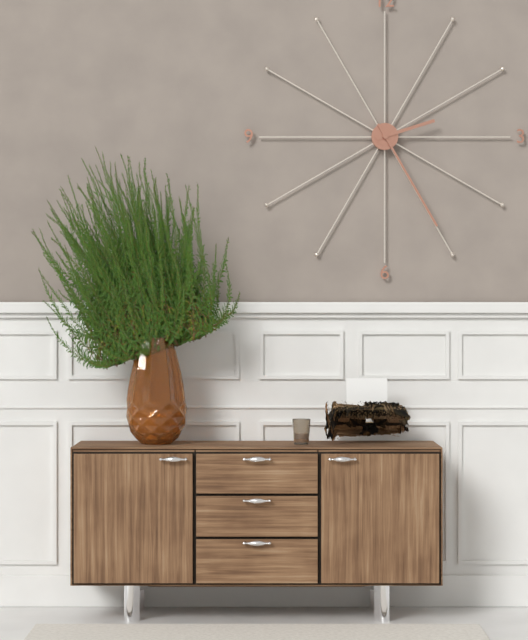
2:25
